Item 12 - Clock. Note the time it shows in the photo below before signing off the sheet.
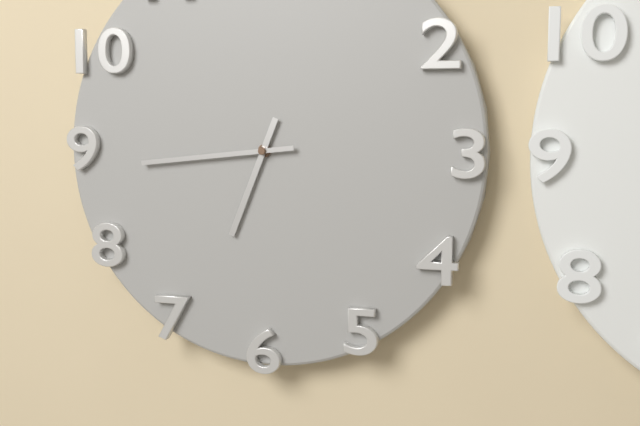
6:44
